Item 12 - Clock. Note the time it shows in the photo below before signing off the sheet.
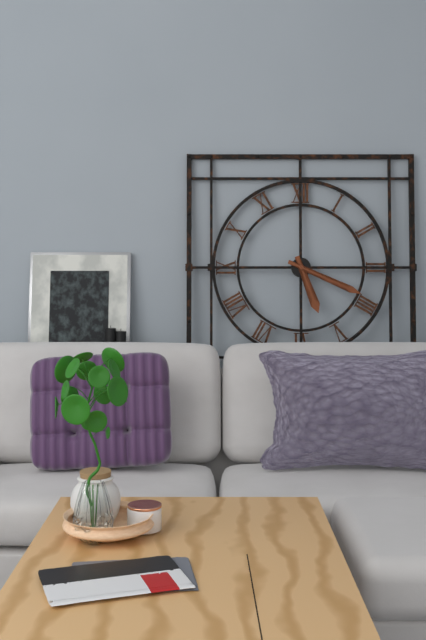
5:19
